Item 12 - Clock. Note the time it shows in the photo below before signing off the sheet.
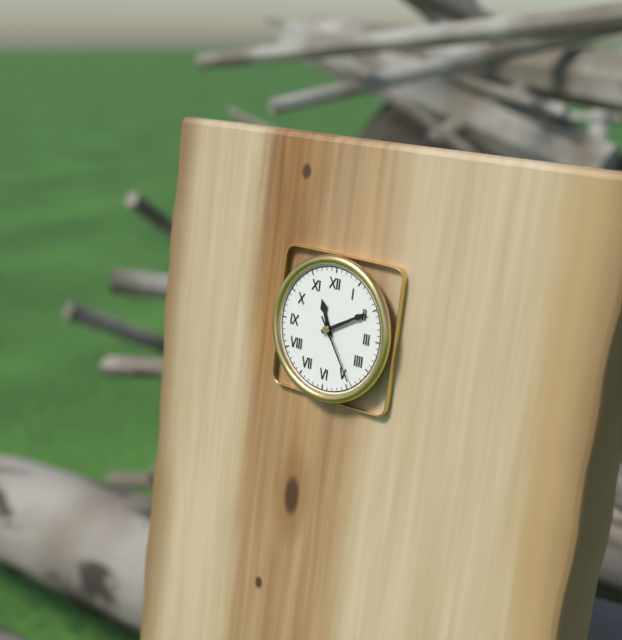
11:10:24
